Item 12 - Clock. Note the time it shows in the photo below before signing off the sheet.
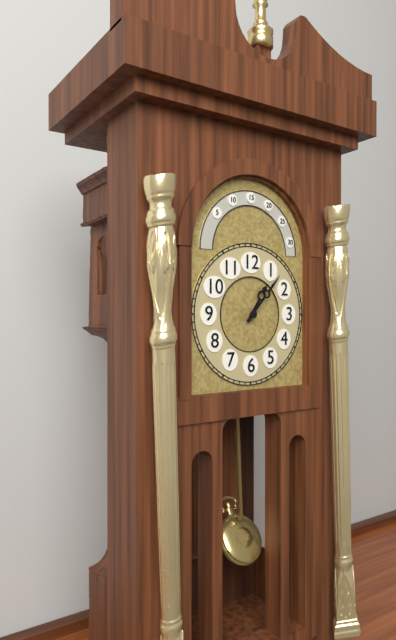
1:07
